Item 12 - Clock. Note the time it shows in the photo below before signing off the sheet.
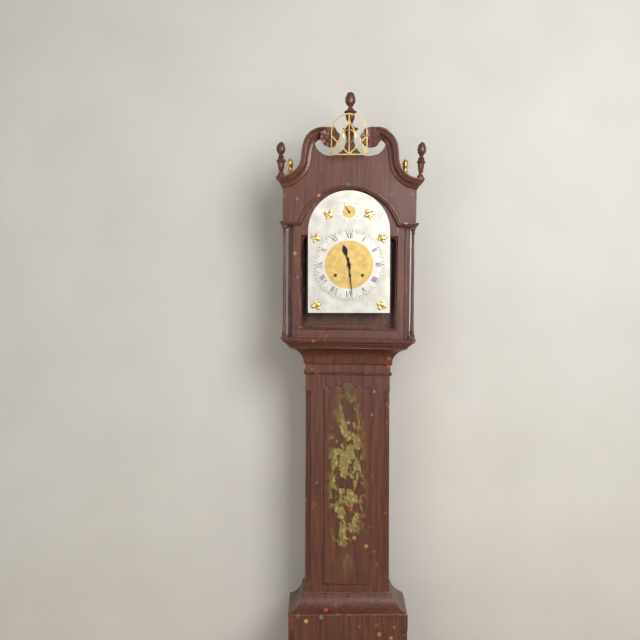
11:29
